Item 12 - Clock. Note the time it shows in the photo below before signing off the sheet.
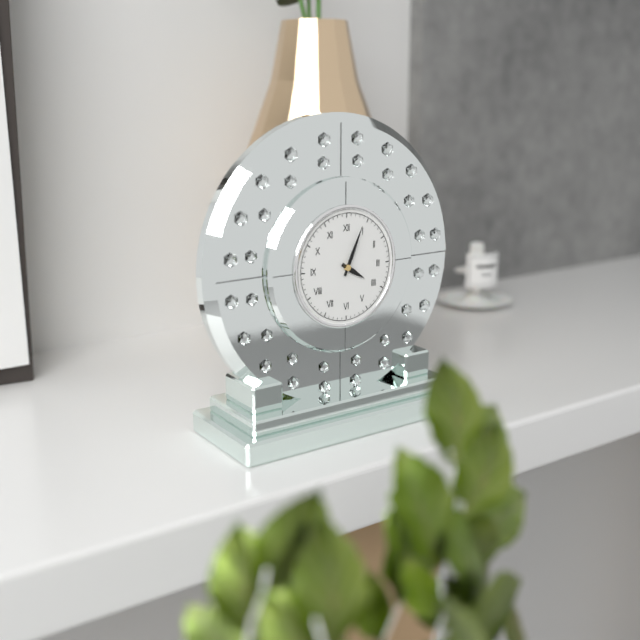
4:04
